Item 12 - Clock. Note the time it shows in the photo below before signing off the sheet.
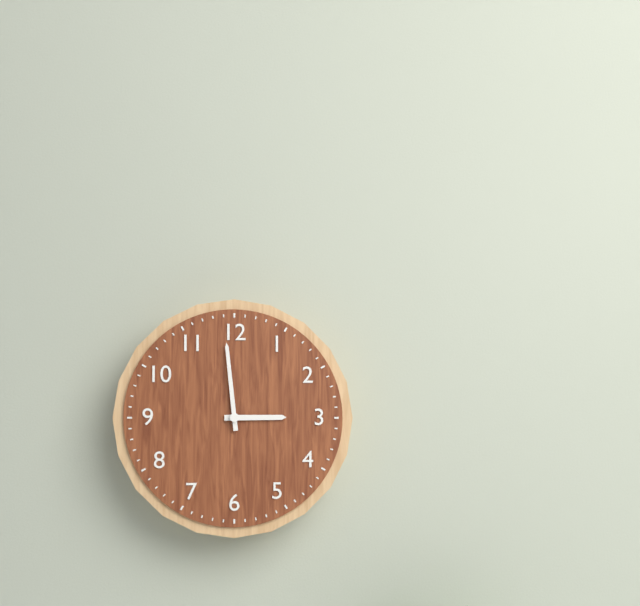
2:59
